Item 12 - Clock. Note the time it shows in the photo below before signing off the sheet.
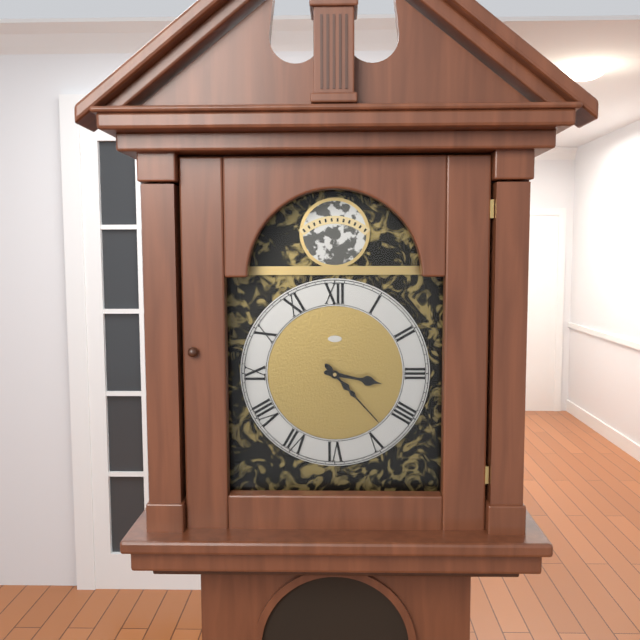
3:23
